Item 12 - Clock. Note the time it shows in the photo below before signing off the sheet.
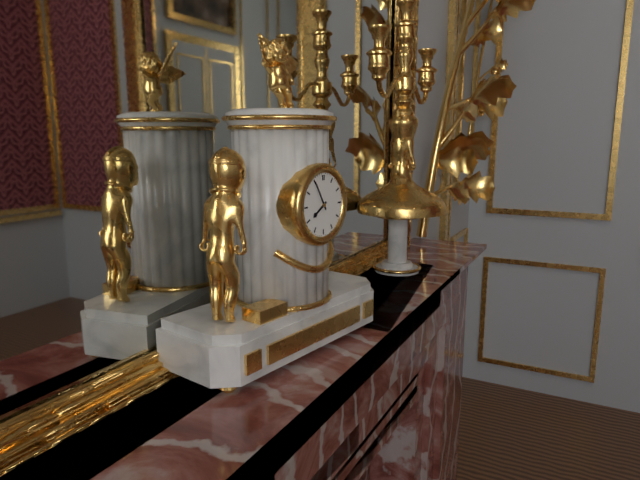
7:55
